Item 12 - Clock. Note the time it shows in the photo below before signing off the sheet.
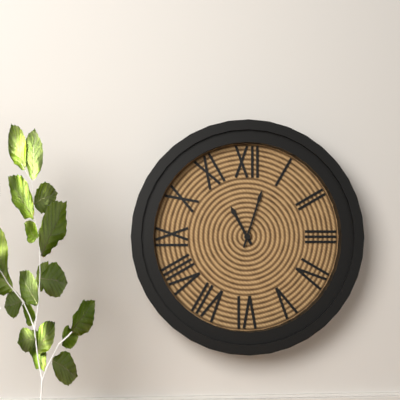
11:03
